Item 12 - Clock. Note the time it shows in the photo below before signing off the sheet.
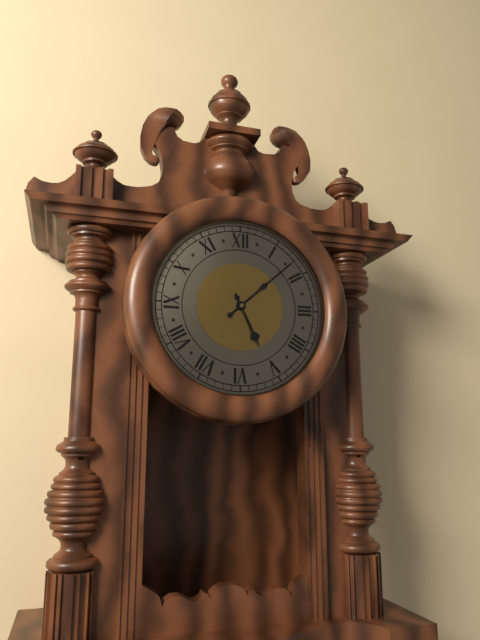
5:08
